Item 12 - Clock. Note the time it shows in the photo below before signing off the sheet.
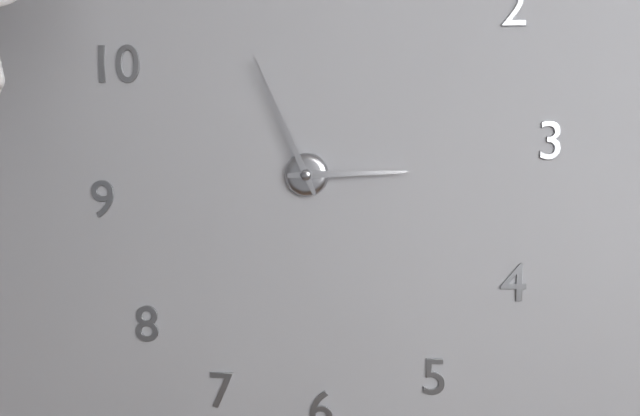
2:56
